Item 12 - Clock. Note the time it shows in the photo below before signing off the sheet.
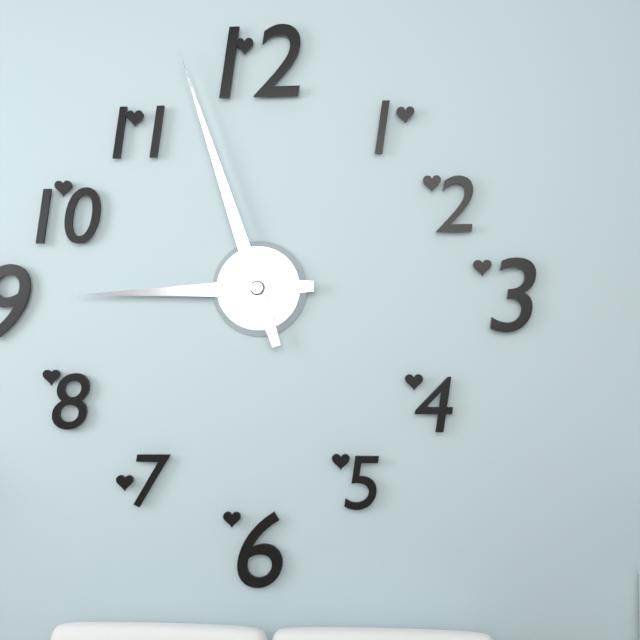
8:57
